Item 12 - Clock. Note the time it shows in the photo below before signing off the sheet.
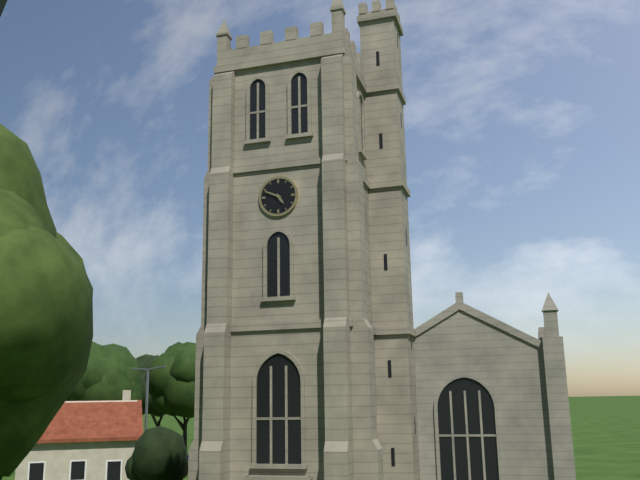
4:49
